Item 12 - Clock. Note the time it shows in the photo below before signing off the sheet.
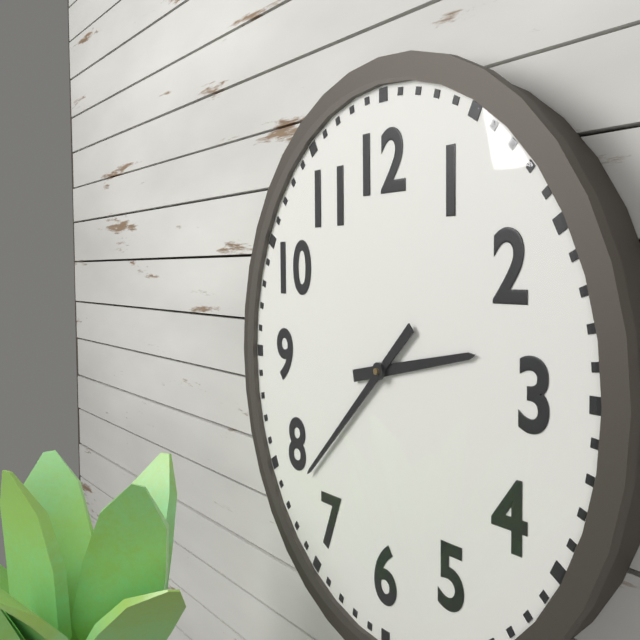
2:38
